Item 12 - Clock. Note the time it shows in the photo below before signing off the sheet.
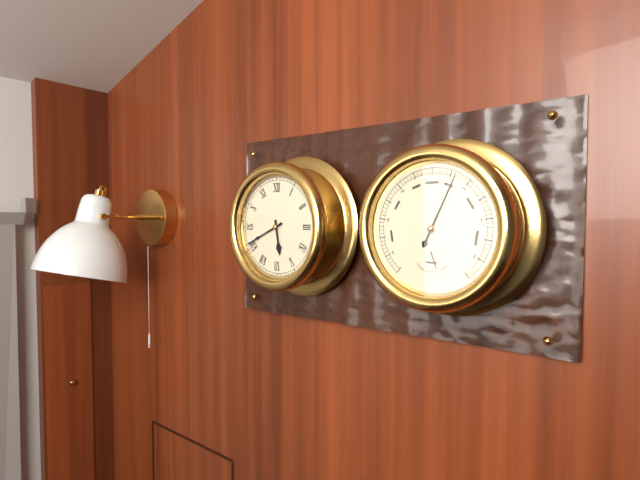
5:41
